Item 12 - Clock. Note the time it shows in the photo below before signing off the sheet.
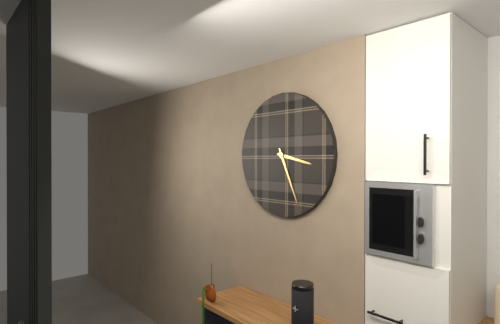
3:26
